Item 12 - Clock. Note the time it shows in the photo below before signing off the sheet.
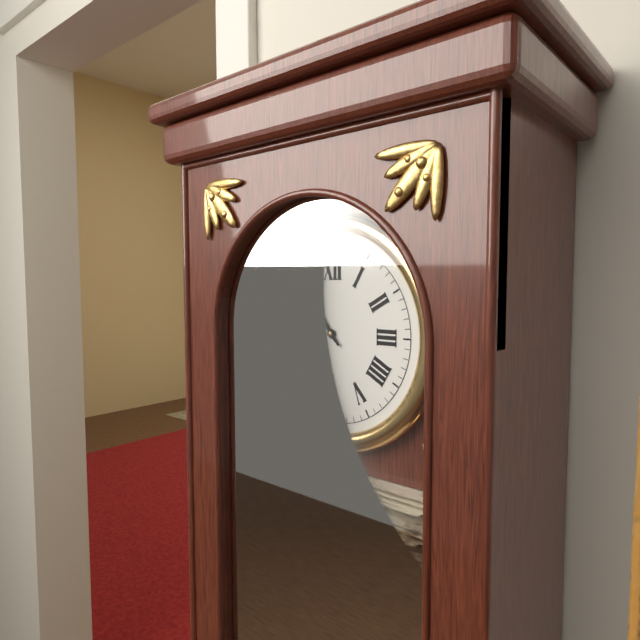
10:53
